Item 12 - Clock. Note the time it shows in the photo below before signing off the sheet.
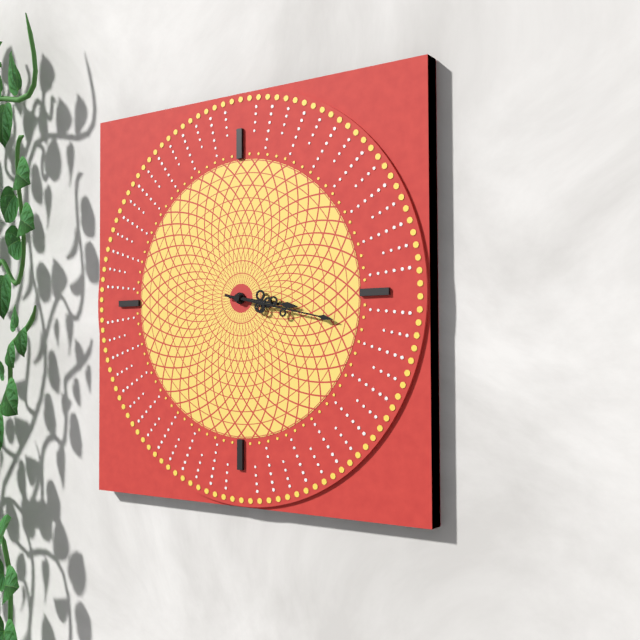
3:17
